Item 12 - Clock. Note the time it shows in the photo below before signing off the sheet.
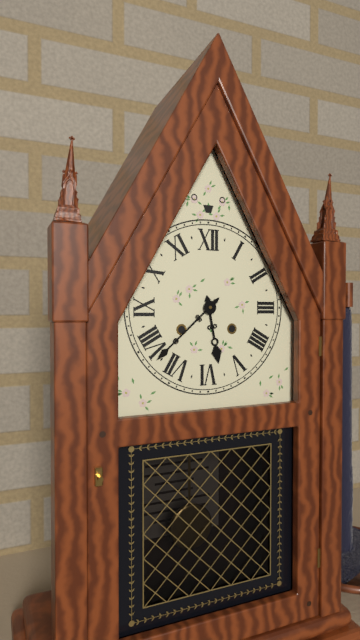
5:38
